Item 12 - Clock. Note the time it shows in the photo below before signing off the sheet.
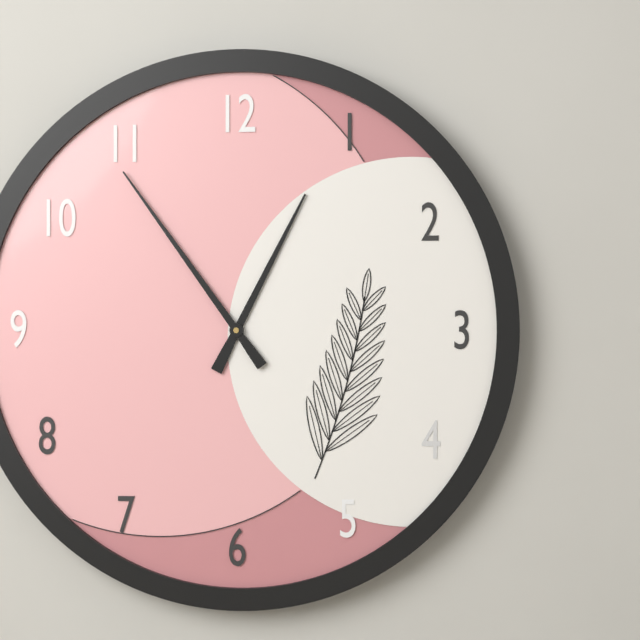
12:54
